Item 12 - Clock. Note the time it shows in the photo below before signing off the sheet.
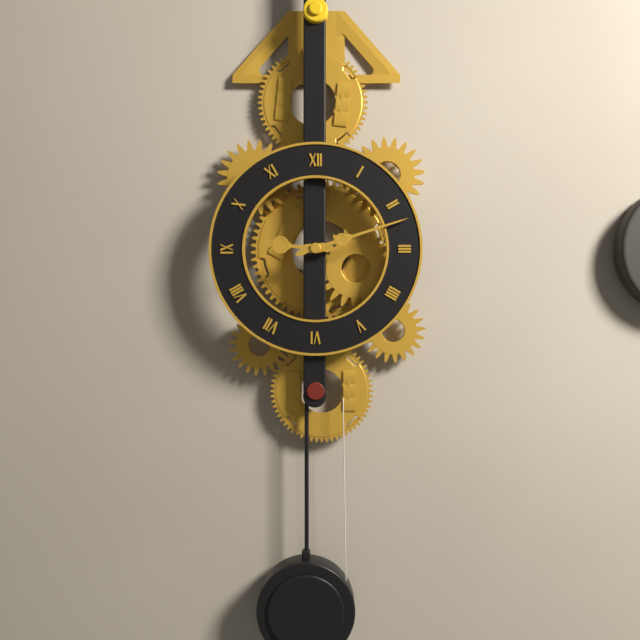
9:12
